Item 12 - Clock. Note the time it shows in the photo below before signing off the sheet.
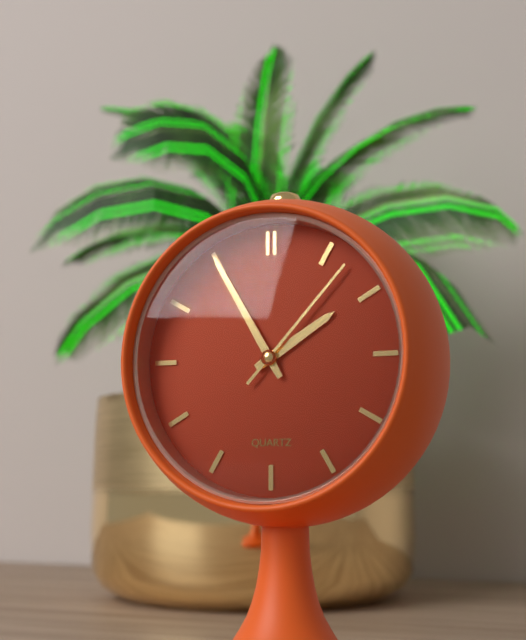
1:55:07
